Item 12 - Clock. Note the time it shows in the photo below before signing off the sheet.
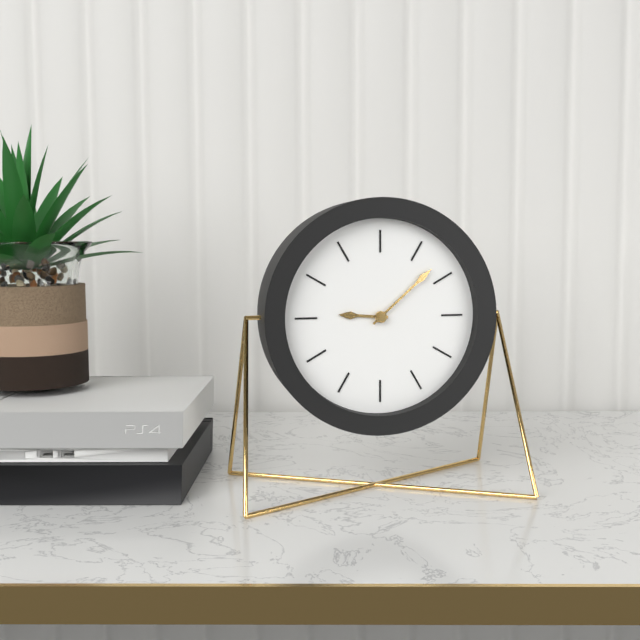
9:08
